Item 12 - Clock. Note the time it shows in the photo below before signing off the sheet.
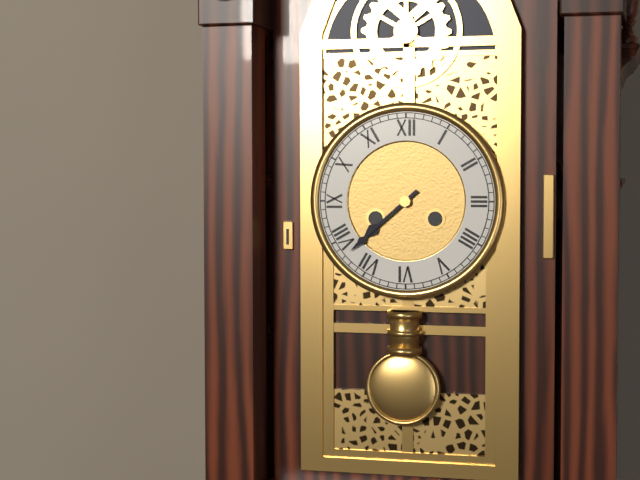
7:38
